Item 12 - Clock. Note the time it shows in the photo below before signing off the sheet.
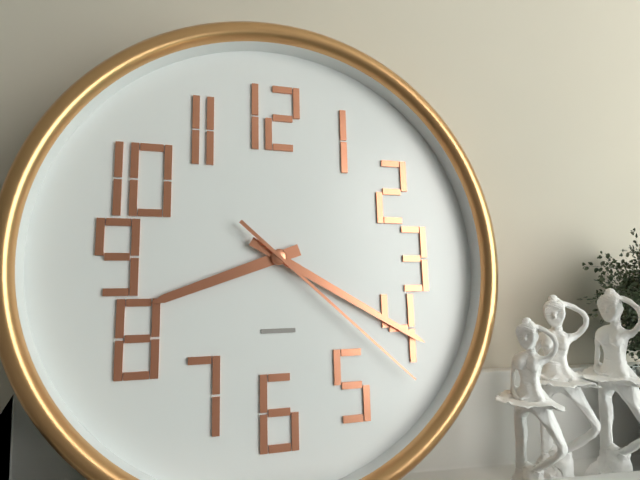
8:20:22
